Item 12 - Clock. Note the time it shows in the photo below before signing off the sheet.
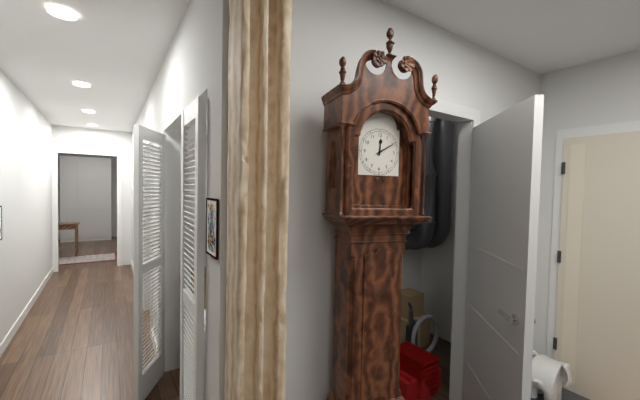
12:10
